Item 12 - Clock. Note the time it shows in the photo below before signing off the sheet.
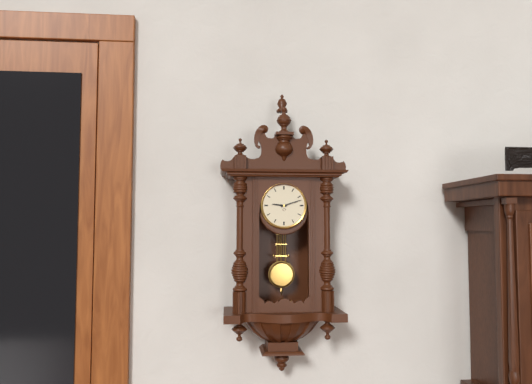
9:12
